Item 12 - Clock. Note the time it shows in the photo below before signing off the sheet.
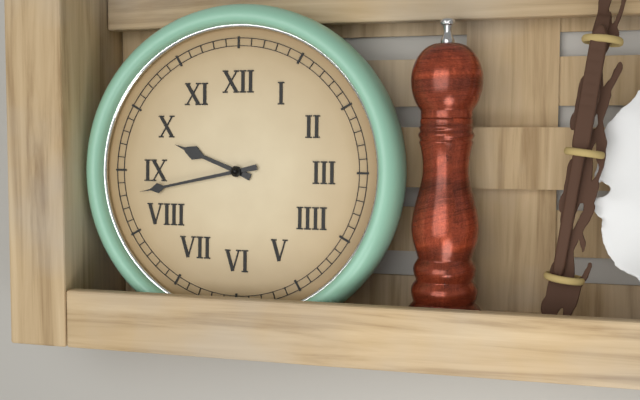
9:43
